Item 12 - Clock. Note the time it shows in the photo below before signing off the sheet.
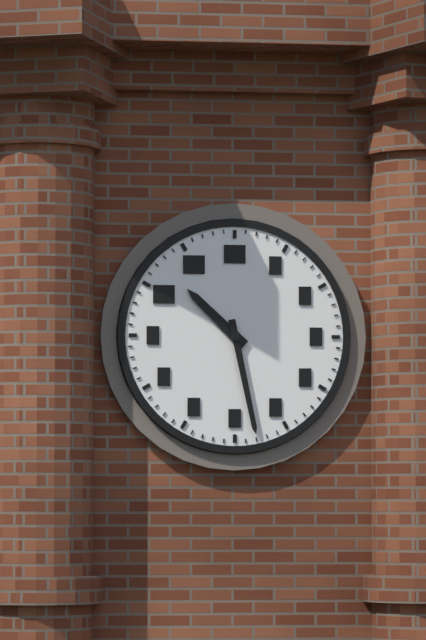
10:28
